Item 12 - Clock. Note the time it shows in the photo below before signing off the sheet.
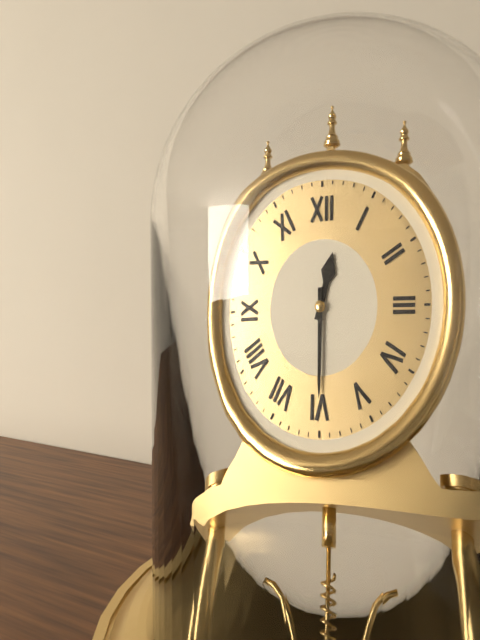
12:30
